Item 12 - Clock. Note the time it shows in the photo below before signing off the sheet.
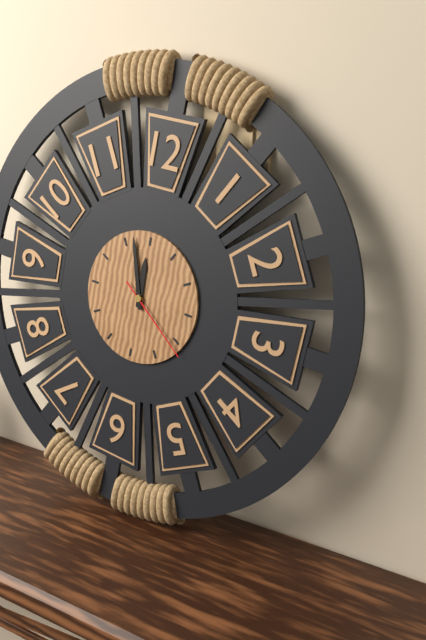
11:57:21
